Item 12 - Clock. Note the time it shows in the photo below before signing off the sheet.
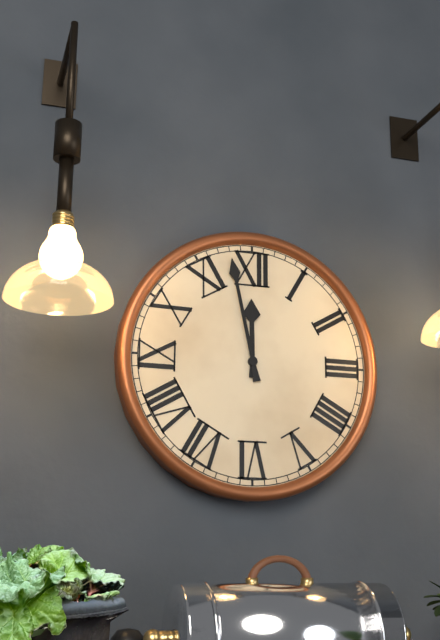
11:58
